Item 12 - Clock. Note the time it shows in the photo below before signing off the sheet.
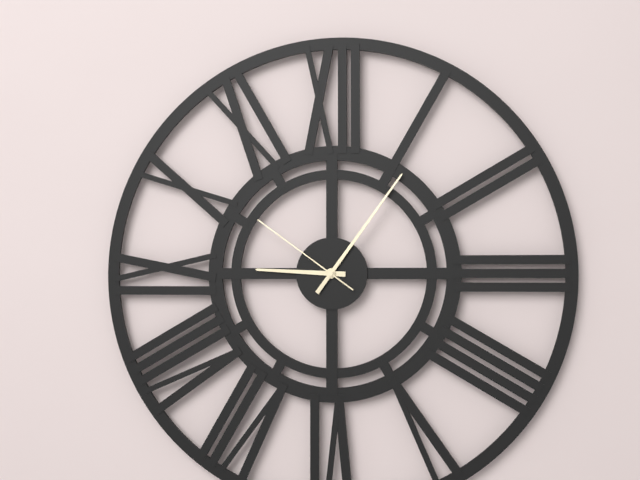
9:06:51
